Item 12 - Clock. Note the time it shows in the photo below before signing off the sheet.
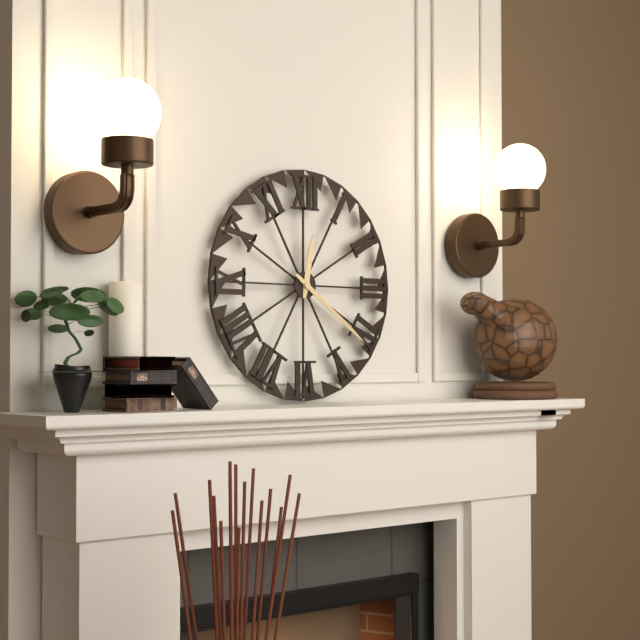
12:21
